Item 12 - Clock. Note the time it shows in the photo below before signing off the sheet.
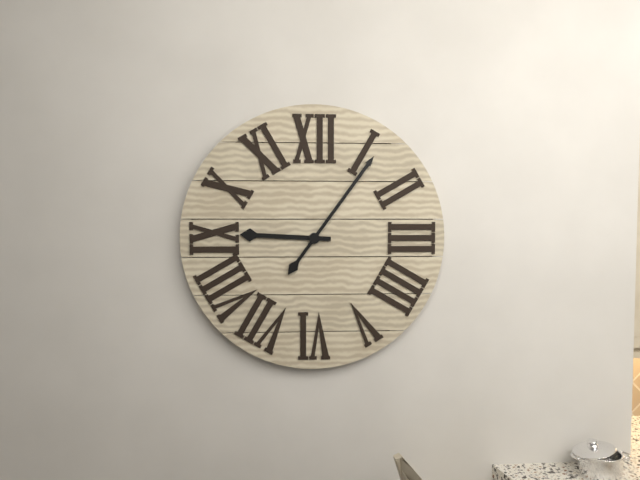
9:06
